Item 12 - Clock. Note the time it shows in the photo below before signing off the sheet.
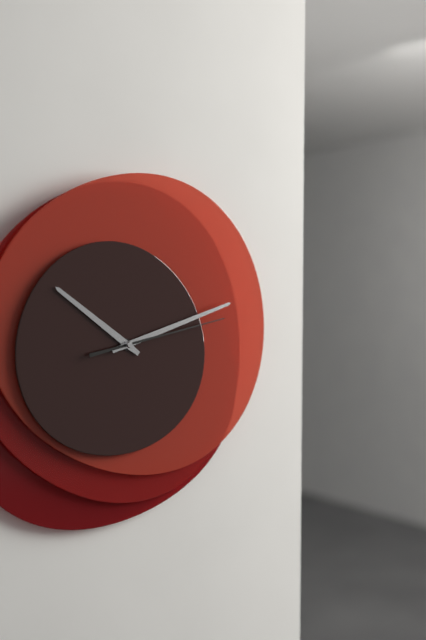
10:12:13
